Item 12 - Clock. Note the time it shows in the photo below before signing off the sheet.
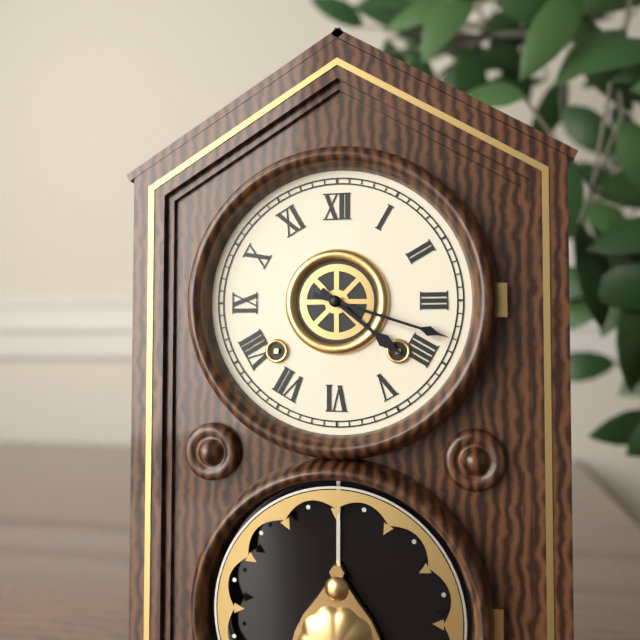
4:18
